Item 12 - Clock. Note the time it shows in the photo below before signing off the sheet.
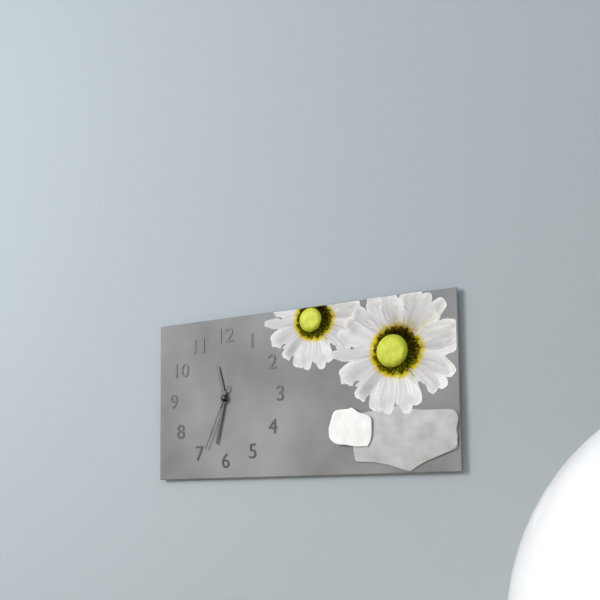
11:32:34
